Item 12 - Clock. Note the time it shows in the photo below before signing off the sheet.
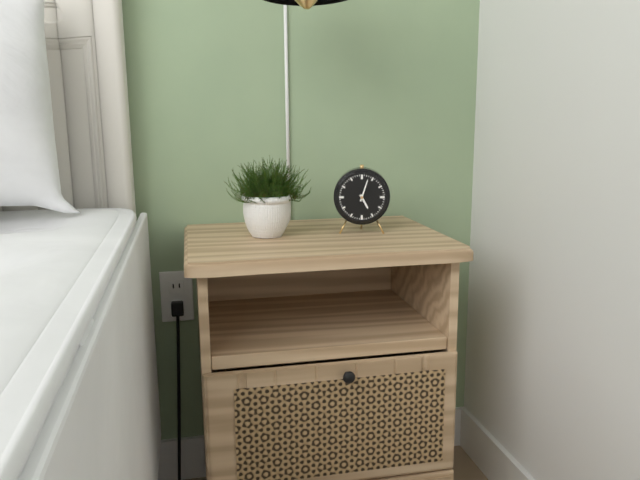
5:03
